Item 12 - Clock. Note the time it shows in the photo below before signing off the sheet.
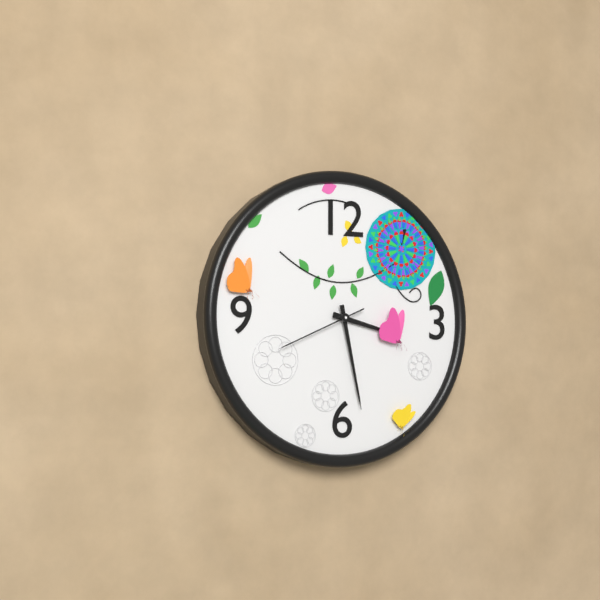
3:28:41
